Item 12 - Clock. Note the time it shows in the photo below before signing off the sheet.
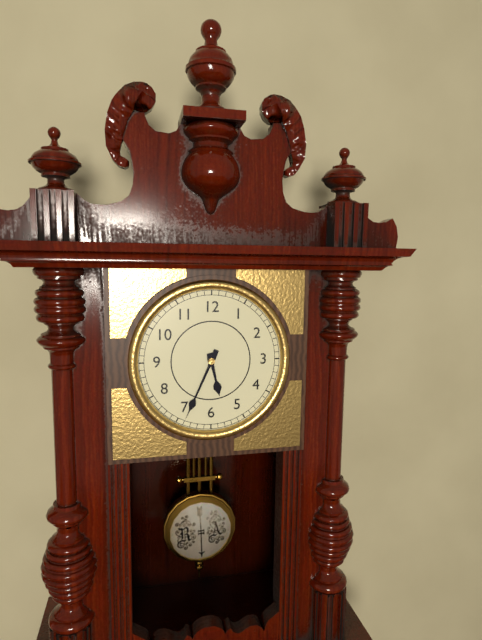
5:34
